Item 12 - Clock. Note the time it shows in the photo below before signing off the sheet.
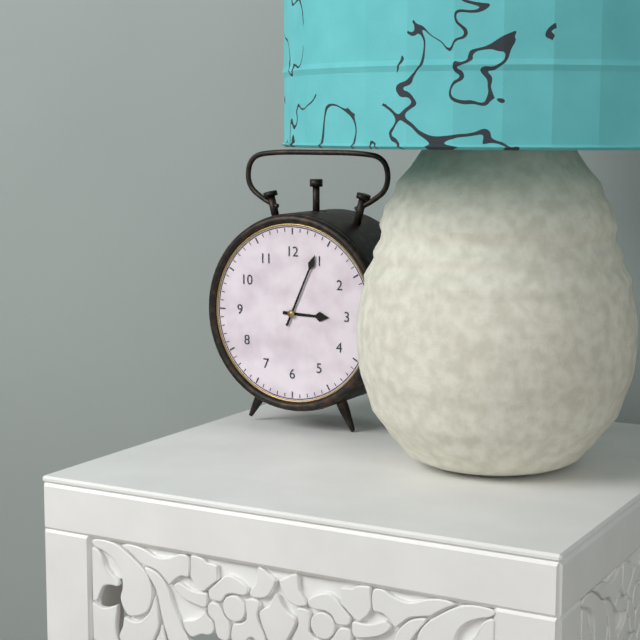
3:04
